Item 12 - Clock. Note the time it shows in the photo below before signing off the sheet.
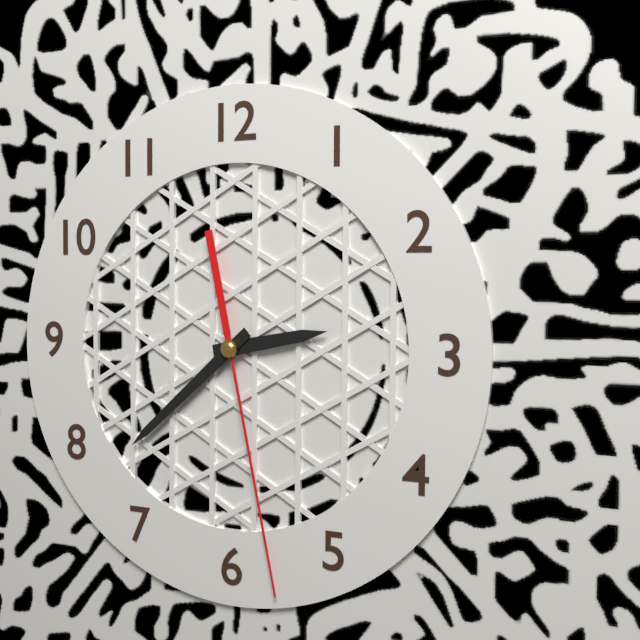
2:38:28
